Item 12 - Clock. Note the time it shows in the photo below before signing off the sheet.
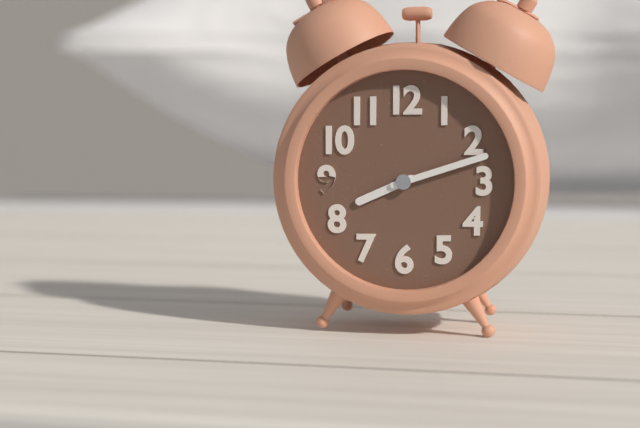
8:12
